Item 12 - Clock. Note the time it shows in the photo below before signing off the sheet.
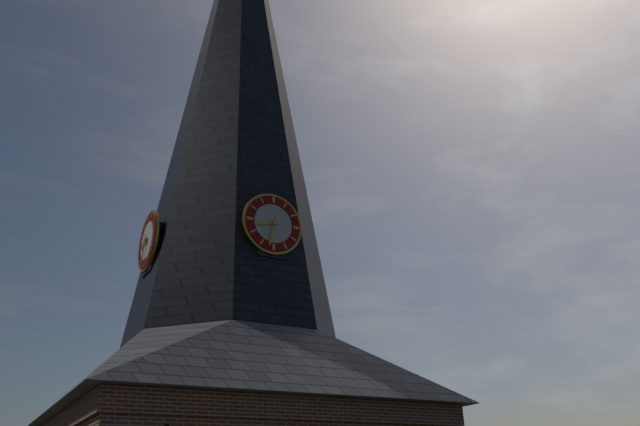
8:32
